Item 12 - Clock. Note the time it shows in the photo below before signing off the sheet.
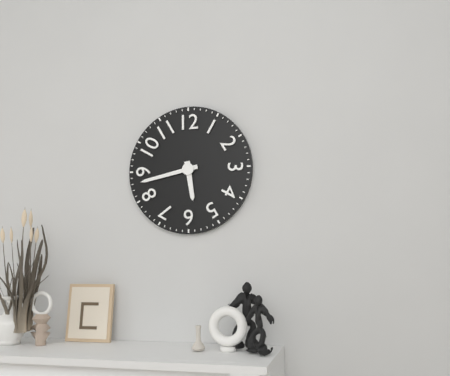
5:43
